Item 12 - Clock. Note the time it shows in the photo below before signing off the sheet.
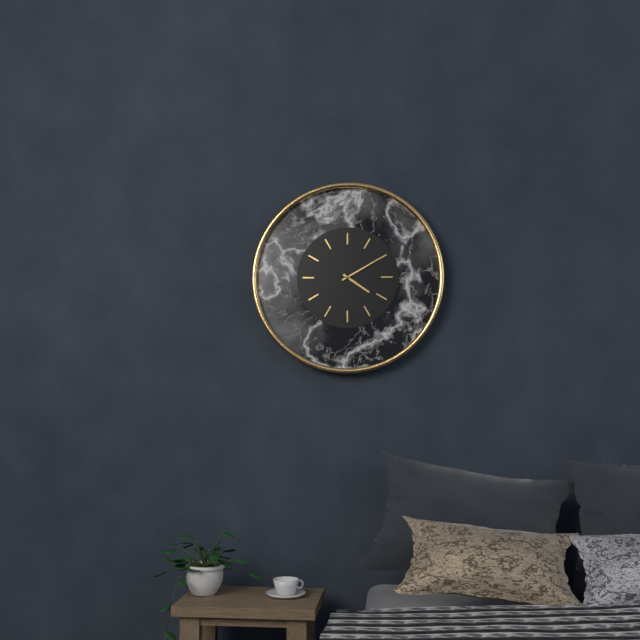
4:10
